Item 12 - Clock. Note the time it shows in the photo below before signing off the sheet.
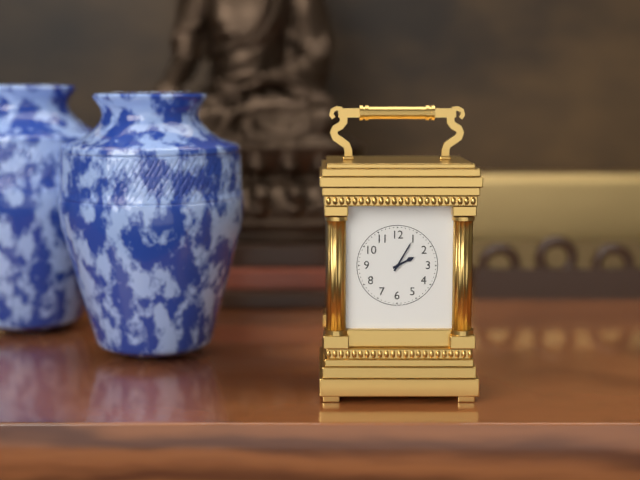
2:05
